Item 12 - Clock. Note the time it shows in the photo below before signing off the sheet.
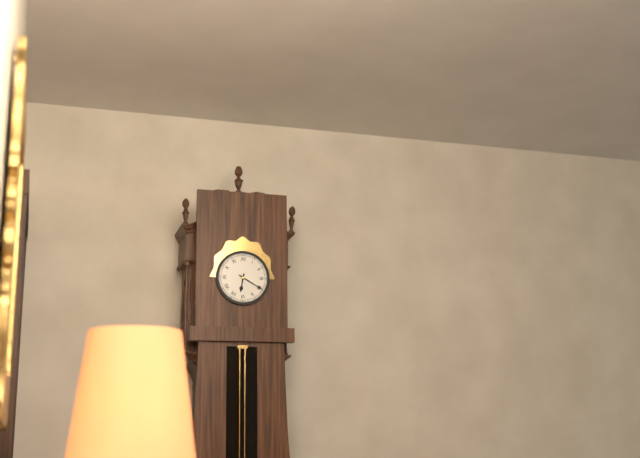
6:20
